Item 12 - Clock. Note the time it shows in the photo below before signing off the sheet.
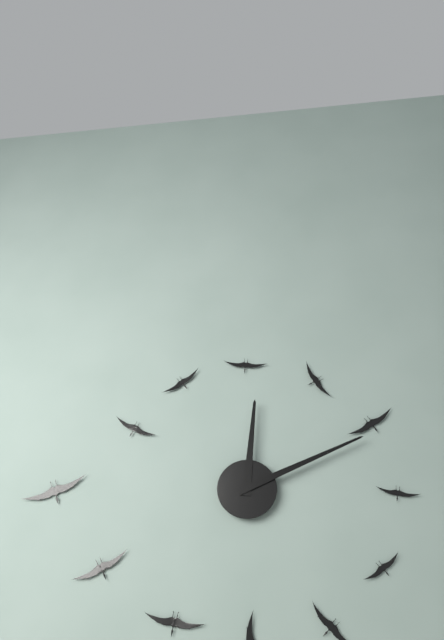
12:11
